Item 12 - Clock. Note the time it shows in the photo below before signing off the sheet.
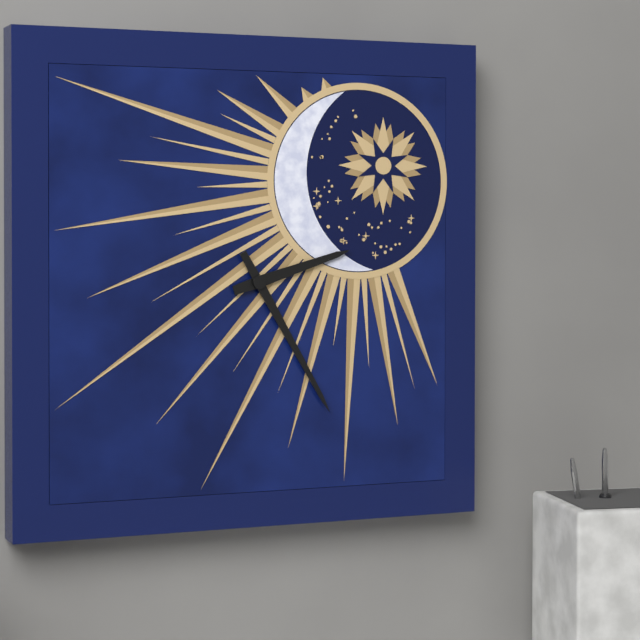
2:25
